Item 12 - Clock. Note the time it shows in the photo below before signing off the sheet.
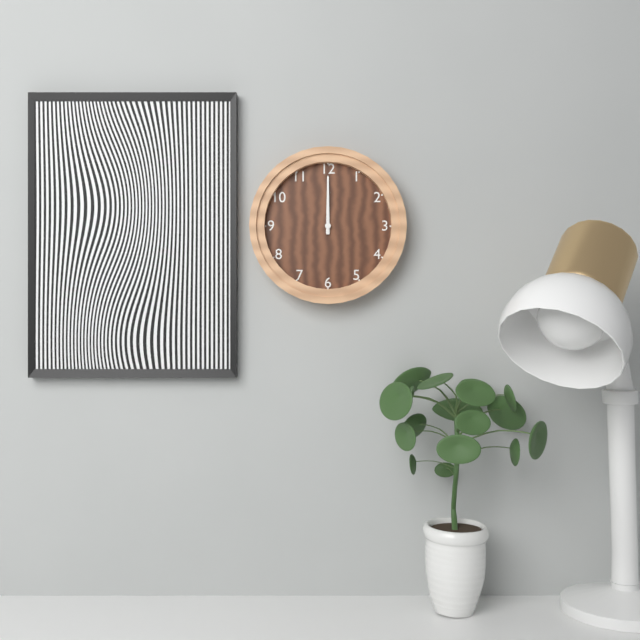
12:00
